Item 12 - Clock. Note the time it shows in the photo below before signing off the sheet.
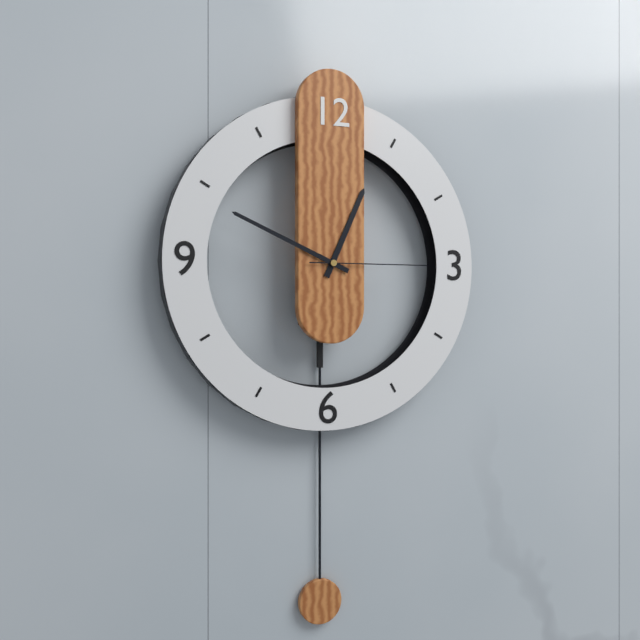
12:49:15
